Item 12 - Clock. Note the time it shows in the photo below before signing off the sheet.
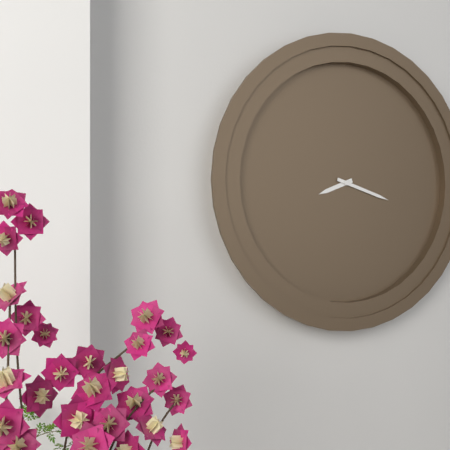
8:18
